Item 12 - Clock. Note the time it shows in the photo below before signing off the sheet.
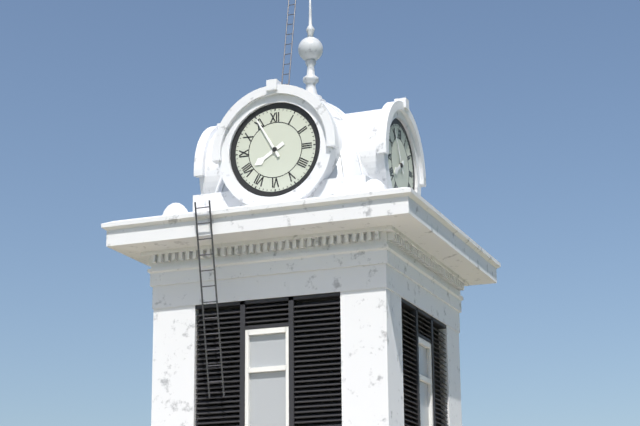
7:55
